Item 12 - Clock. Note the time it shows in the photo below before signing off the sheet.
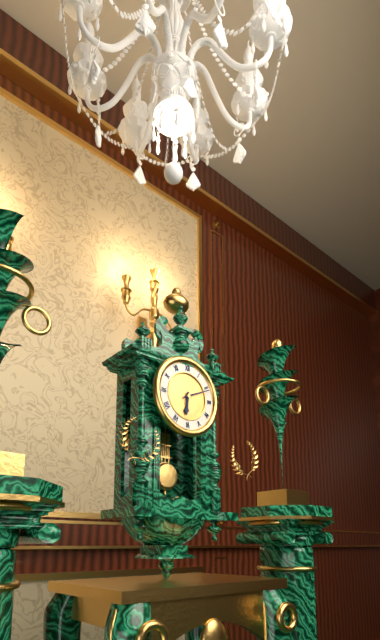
6:11
